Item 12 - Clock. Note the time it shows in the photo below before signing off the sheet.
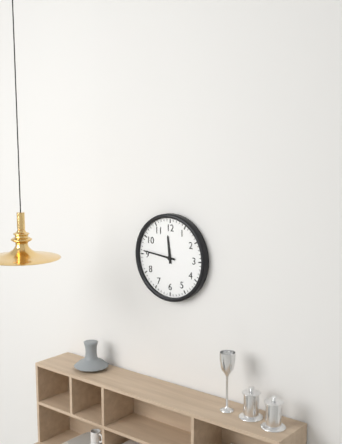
11:46
